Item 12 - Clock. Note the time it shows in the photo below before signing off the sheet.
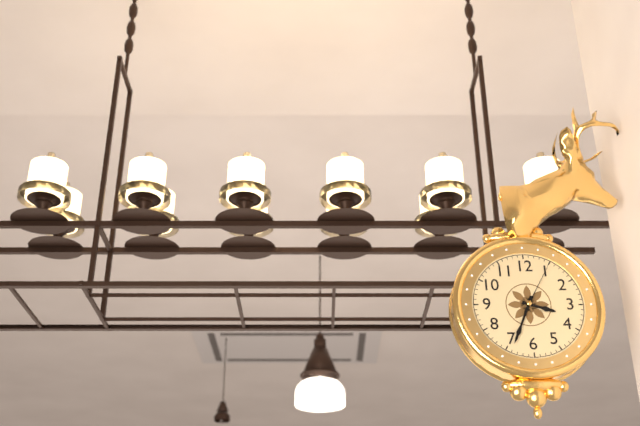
3:34:05
